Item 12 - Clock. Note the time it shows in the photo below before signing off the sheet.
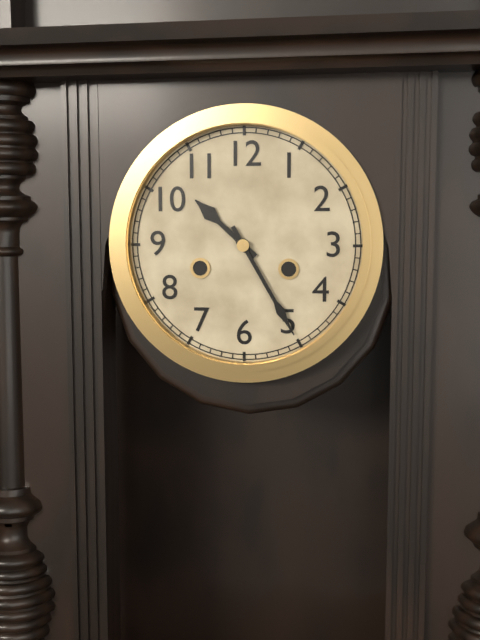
10:25
